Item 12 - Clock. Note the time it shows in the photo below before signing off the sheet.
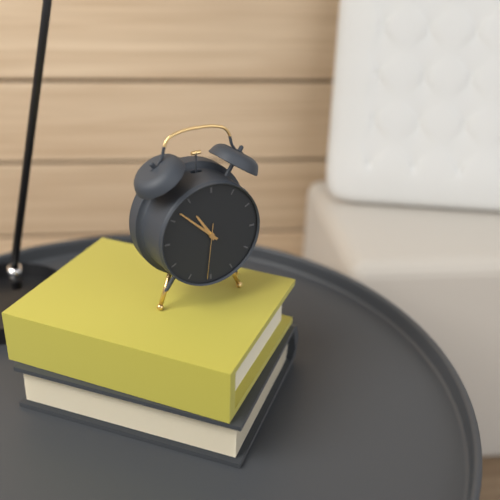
10:52:31
